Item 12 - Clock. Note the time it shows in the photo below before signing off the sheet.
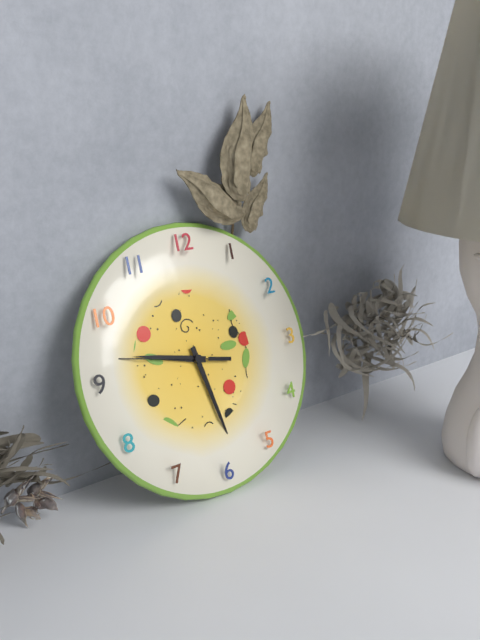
9:28:47
